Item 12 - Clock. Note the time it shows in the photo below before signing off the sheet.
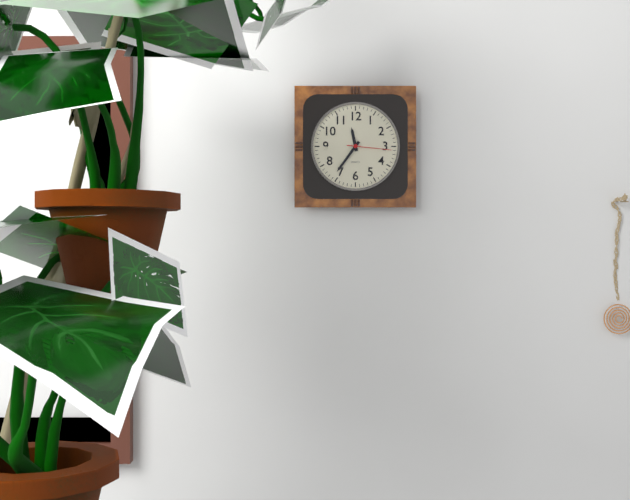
11:36
